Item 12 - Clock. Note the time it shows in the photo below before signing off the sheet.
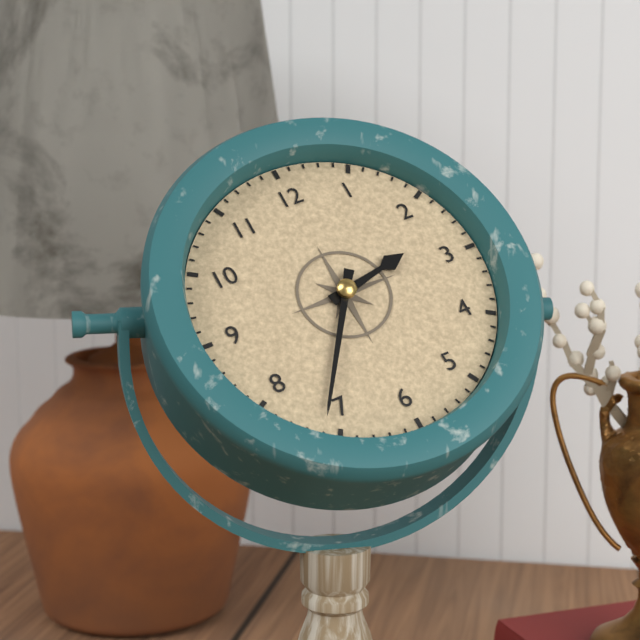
2:36
